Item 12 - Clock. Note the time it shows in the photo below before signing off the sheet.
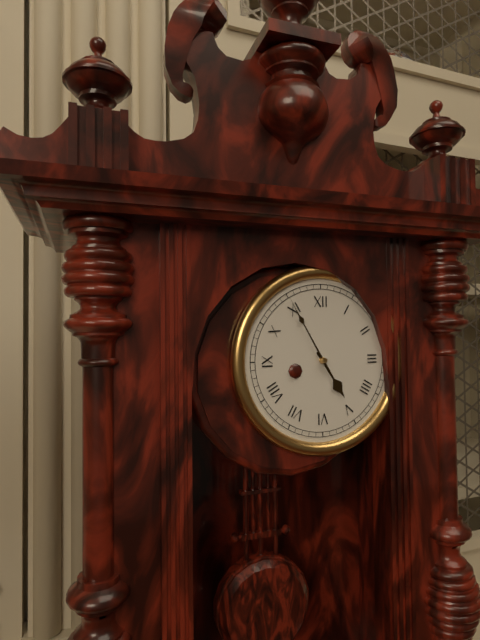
4:55
